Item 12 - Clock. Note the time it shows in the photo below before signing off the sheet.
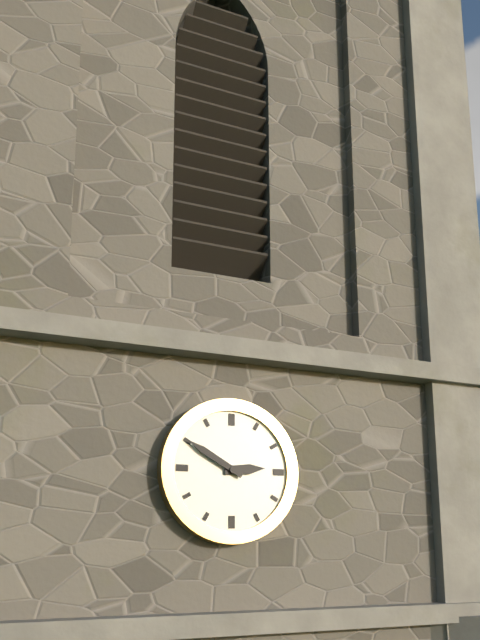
2:50
